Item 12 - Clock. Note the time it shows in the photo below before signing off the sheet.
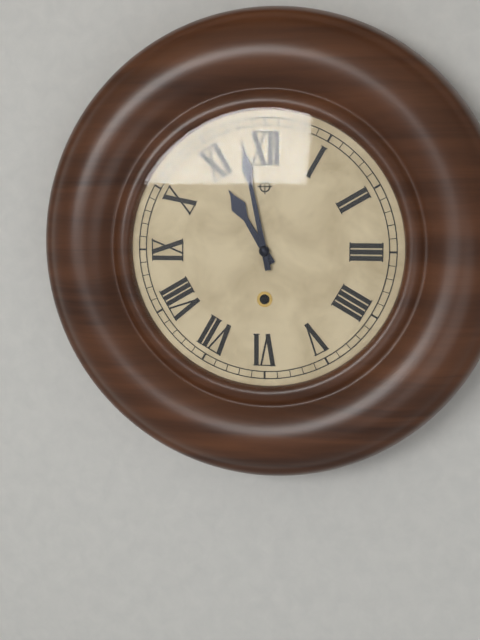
10:58
